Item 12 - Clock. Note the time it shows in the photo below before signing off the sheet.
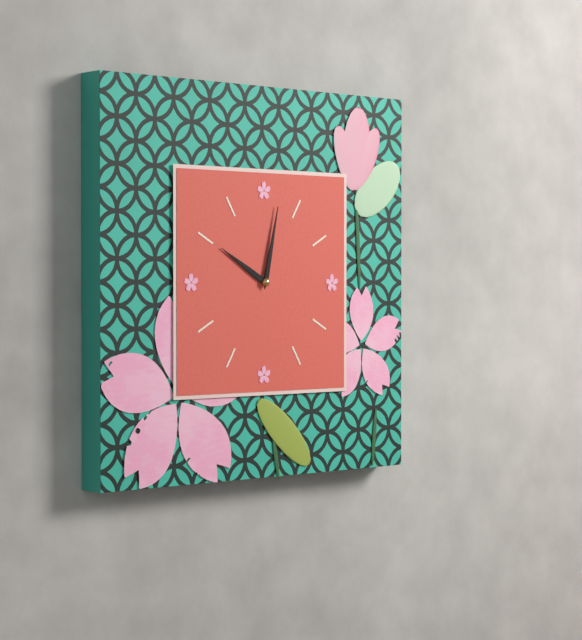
10:02
